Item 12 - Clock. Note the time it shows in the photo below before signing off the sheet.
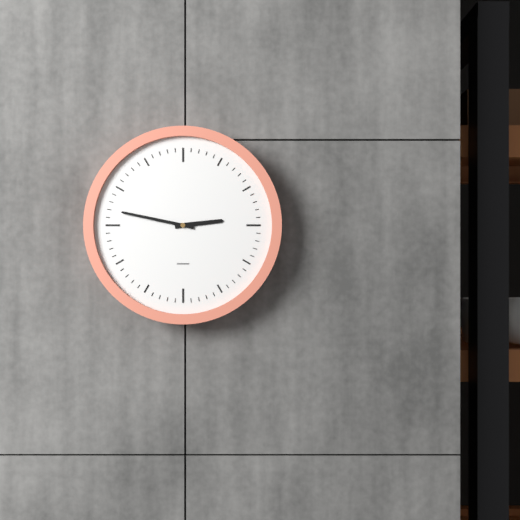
2:47
